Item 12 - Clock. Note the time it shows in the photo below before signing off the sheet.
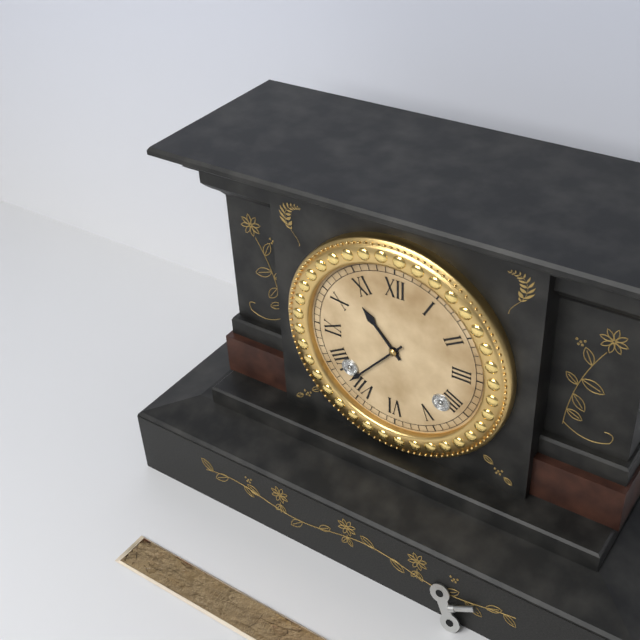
10:37
